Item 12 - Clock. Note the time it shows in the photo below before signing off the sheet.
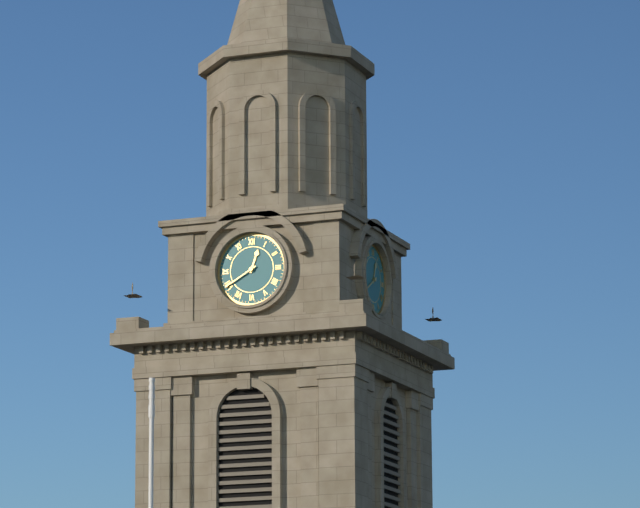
12:40
